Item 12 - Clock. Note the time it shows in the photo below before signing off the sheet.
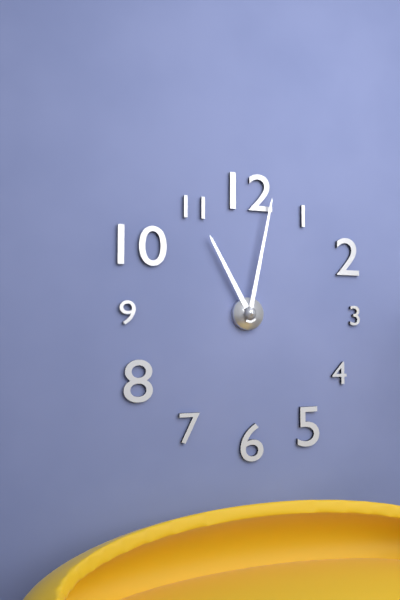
11:02
